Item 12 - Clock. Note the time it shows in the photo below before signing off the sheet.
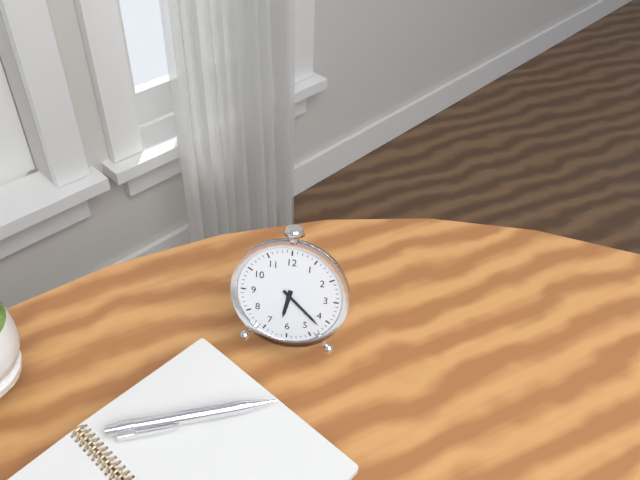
6:22
